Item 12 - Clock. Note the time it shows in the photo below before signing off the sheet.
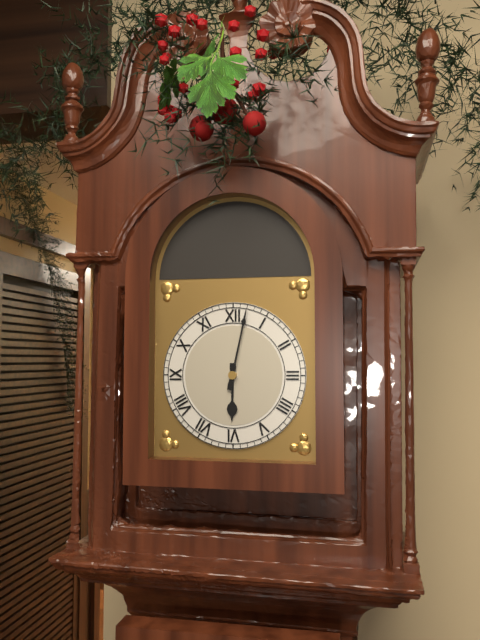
6:02
